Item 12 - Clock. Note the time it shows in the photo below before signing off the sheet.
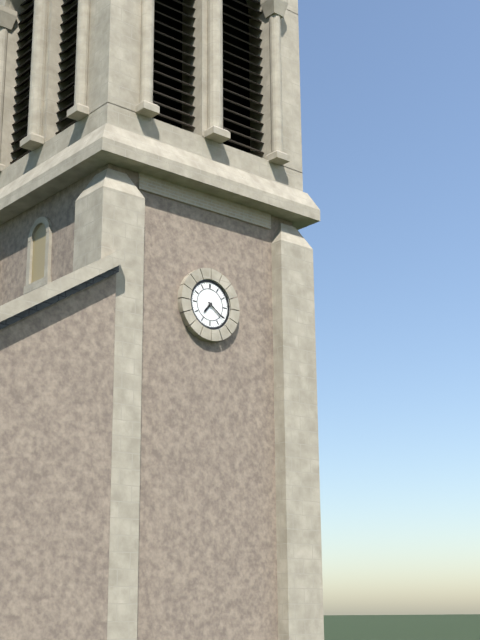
7:21
